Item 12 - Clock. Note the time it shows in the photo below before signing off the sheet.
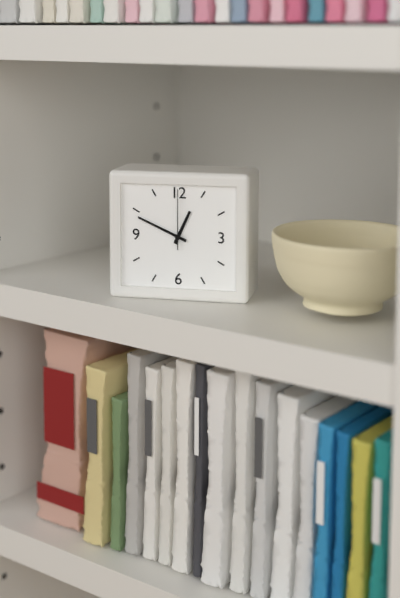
12:49:00
